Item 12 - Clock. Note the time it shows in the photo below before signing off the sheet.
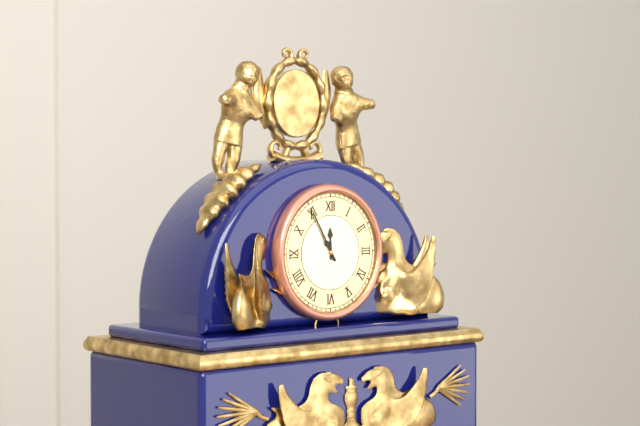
11:55
